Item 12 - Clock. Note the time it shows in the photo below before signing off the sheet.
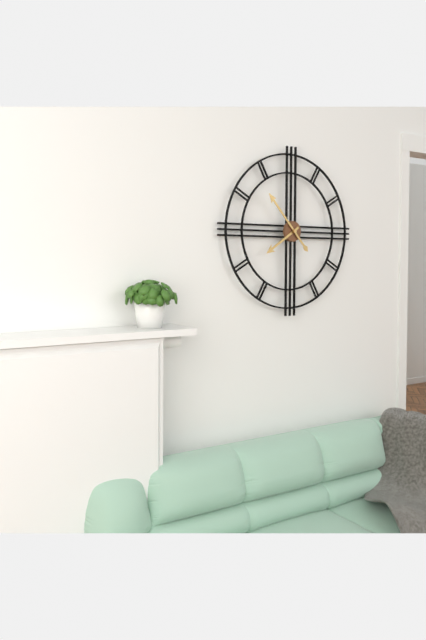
7:53
